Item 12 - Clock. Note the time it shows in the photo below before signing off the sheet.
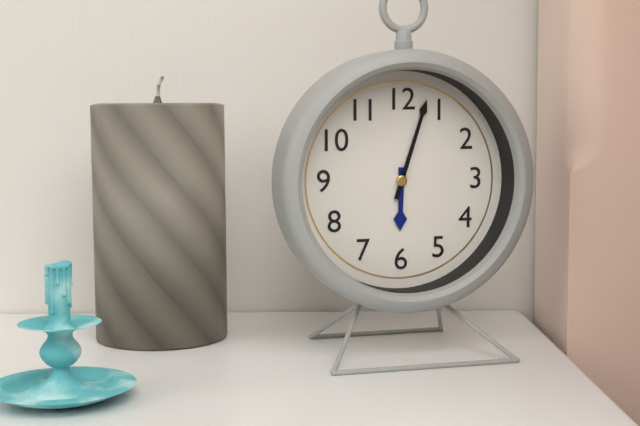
6:03
